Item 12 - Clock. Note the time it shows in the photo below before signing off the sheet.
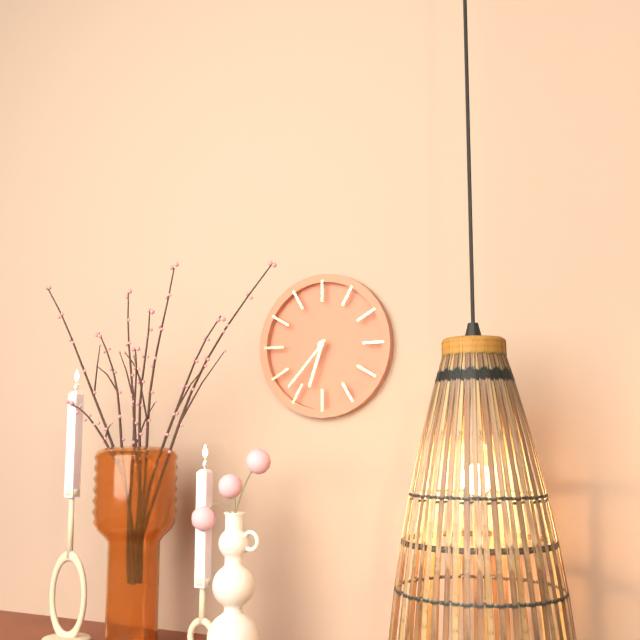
6:37
